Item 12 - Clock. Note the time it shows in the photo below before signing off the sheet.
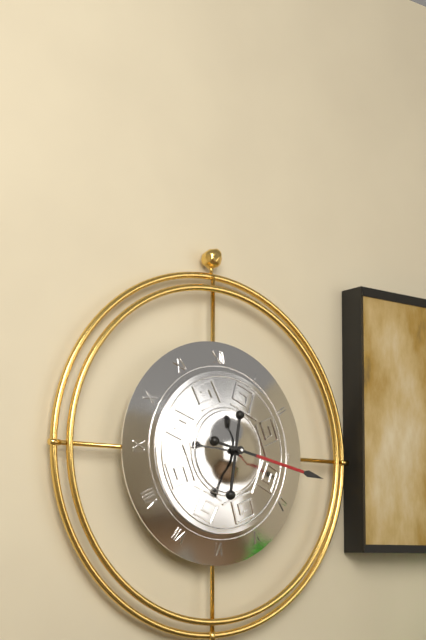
6:17
